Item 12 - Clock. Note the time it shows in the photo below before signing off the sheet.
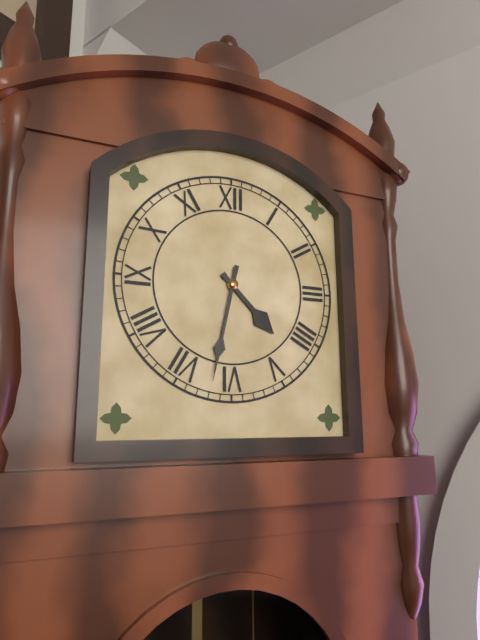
4:32
